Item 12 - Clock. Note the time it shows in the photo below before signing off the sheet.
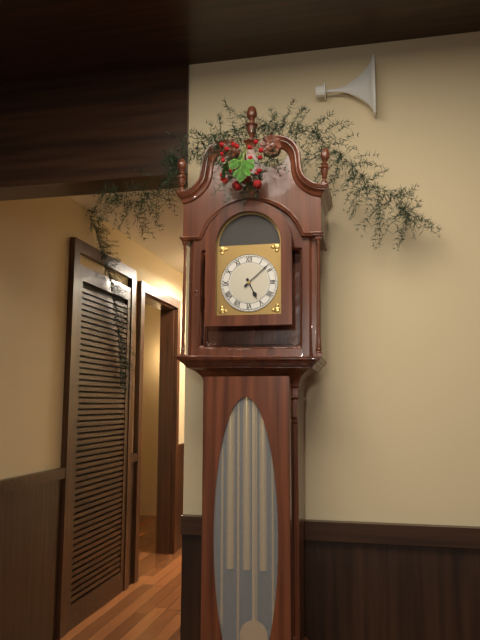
5:08
